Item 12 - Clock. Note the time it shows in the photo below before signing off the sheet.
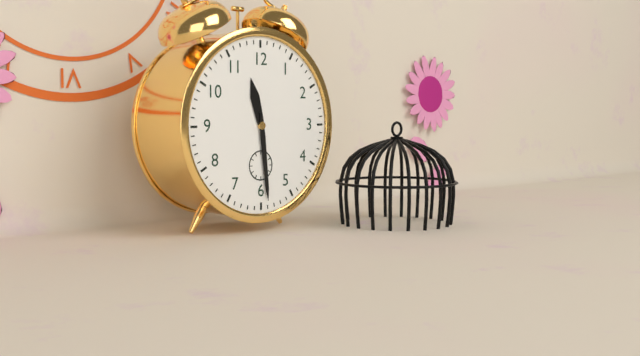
11:29
